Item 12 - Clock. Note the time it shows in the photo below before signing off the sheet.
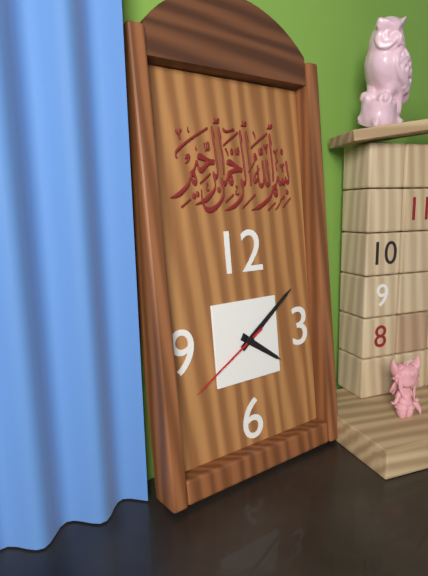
4:09:40
